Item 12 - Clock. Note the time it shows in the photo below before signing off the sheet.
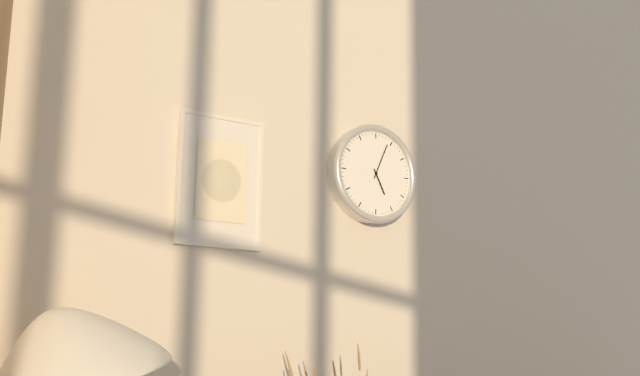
5:04
